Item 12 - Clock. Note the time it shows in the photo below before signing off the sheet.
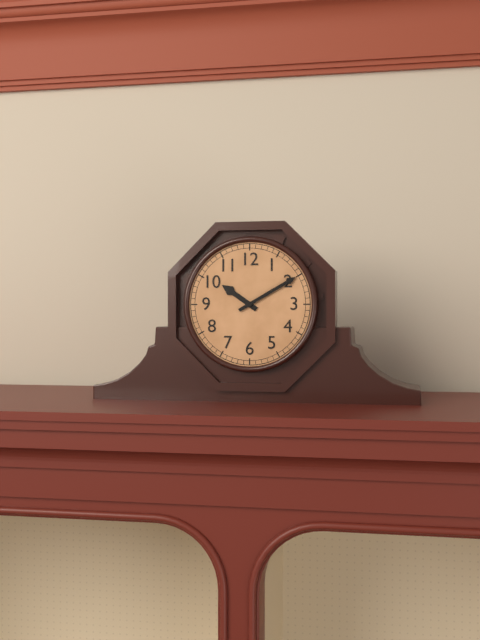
10:10
